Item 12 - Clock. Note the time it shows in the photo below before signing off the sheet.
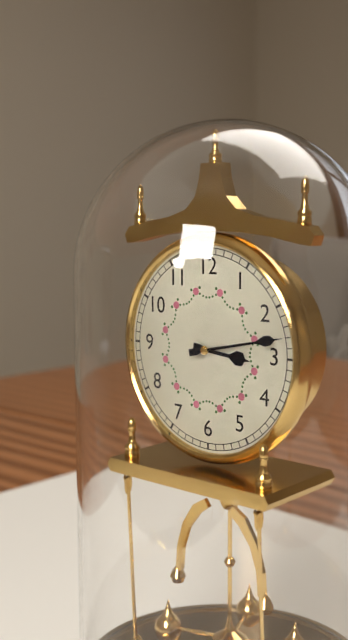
3:13
